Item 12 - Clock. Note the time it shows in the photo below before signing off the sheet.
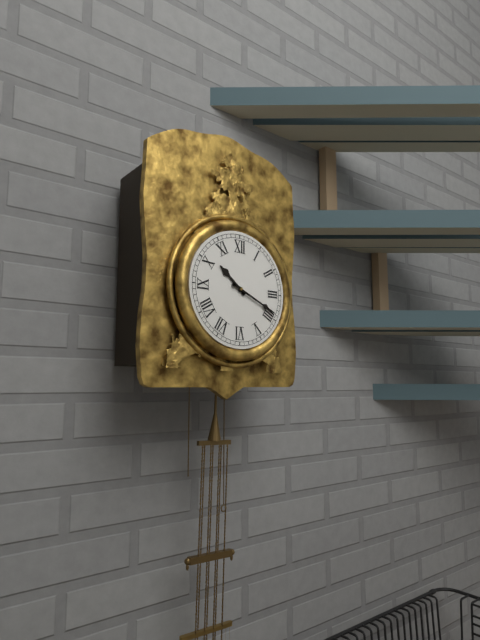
10:19
